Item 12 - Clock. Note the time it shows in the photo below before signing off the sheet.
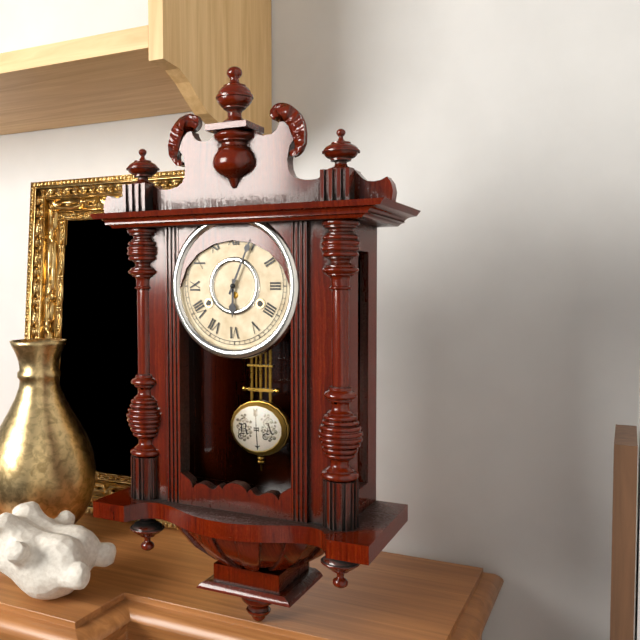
6:04
